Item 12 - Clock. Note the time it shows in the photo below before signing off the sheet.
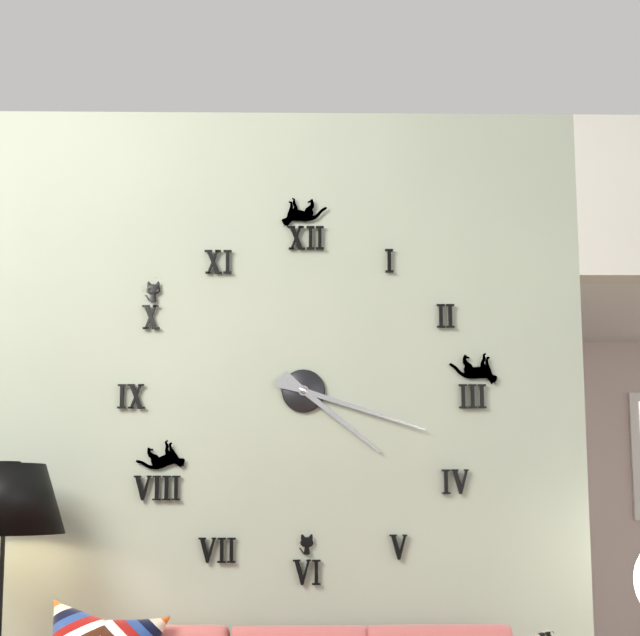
4:18
